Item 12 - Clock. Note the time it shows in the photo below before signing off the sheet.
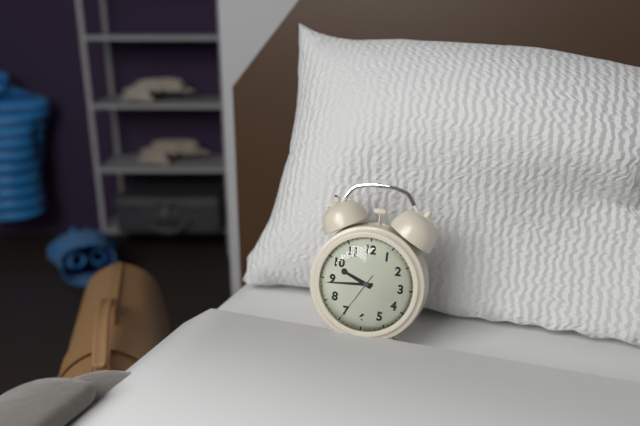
9:44:35
